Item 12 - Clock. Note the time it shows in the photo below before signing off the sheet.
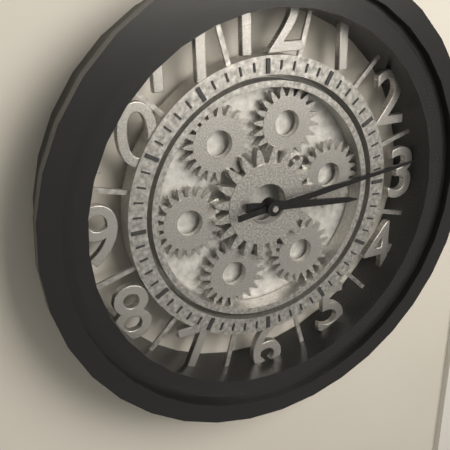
3:14
